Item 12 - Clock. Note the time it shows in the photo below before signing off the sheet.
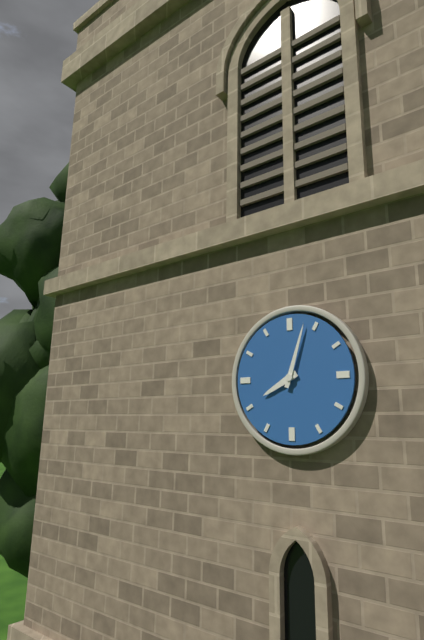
8:03
